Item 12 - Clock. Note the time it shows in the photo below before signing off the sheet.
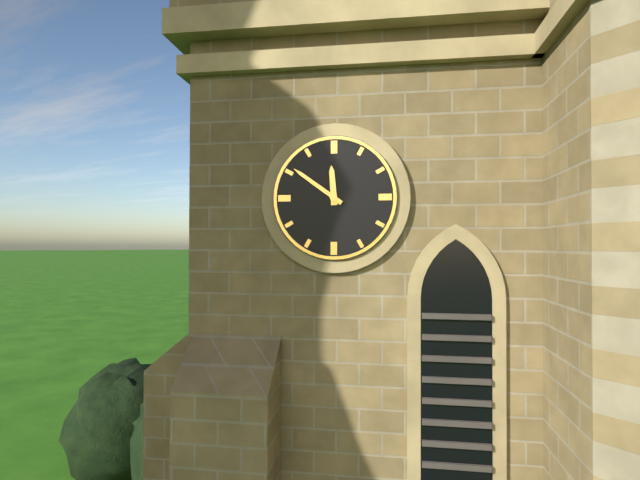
11:51
